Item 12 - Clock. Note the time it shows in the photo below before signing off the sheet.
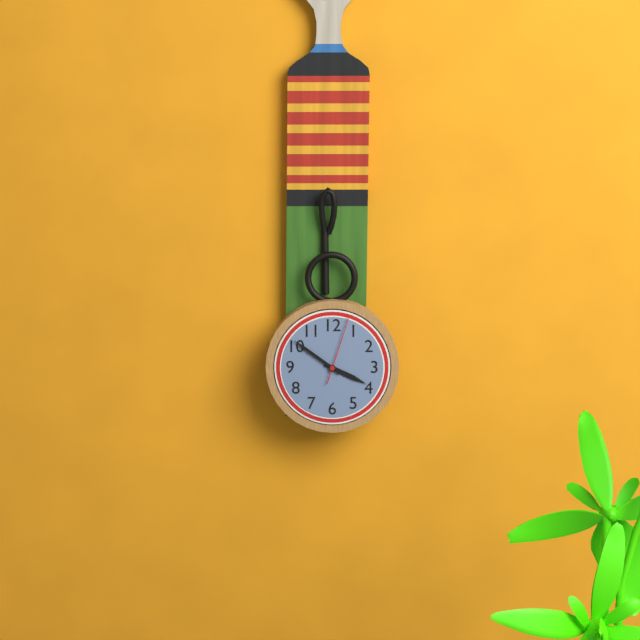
3:51:03
